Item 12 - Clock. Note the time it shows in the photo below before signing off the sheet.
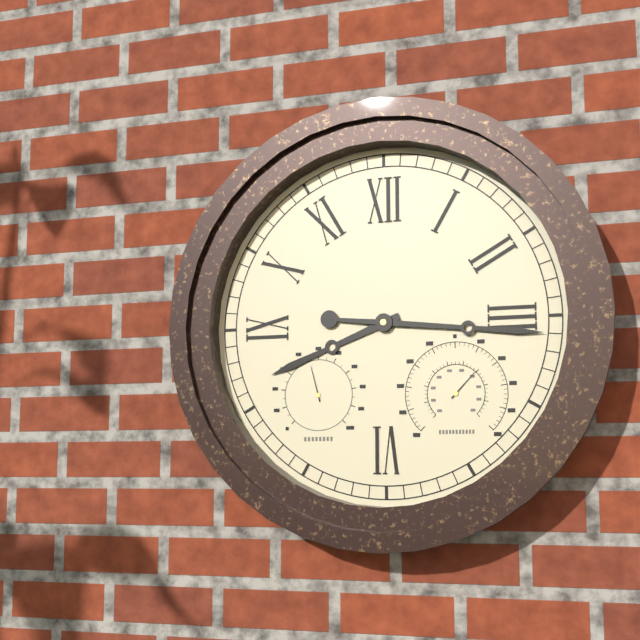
8:16
